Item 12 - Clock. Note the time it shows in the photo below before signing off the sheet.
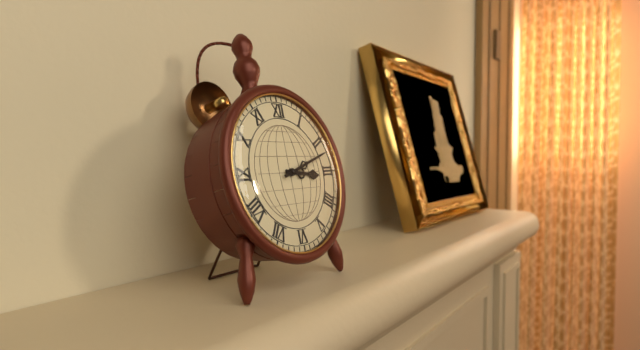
3:12
